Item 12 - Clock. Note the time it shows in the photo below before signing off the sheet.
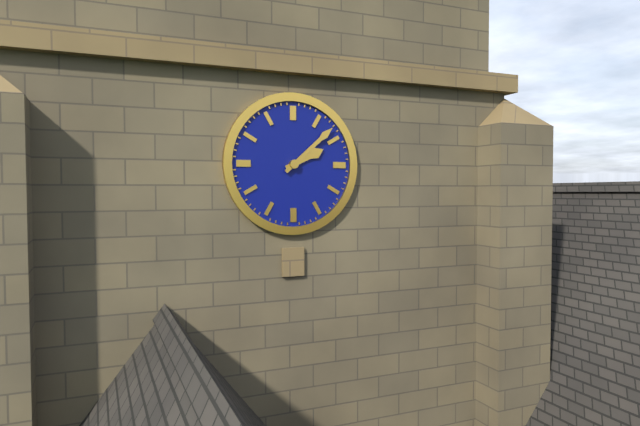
2:08
